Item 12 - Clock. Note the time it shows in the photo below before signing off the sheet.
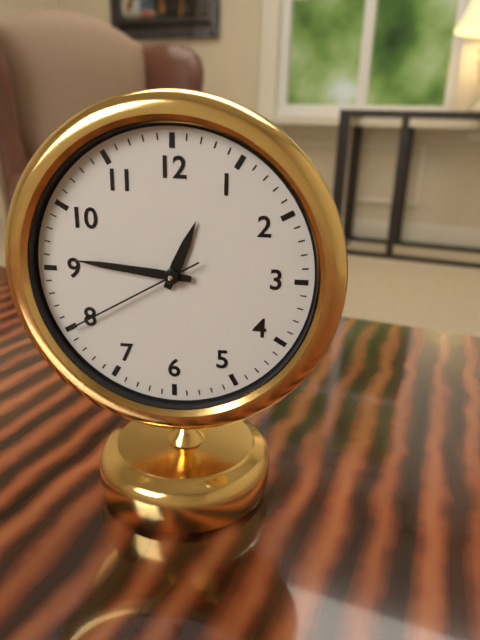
12:46:40
